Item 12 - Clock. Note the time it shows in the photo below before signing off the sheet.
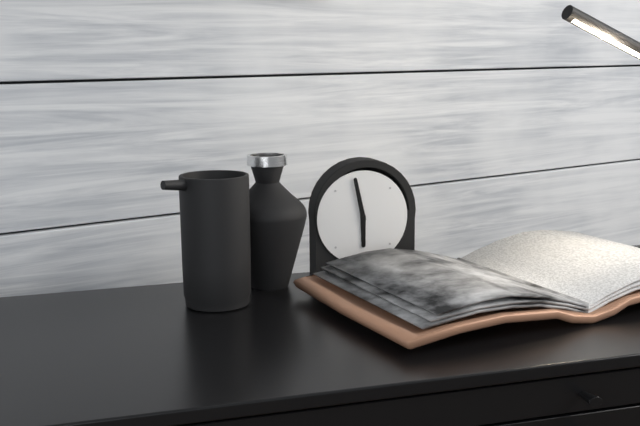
5:58
